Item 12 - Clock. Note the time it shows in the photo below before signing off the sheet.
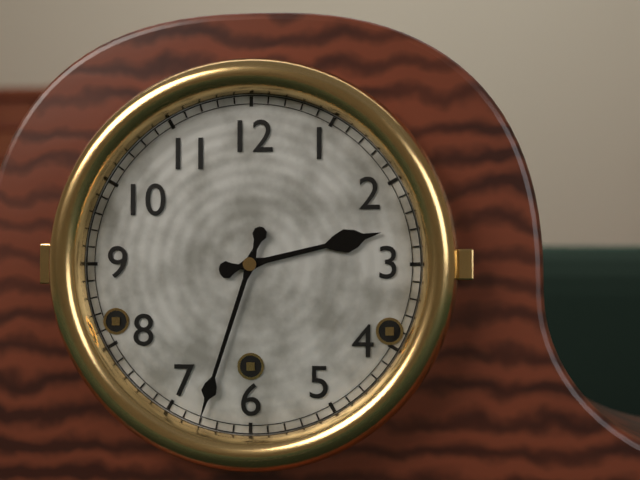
2:33
